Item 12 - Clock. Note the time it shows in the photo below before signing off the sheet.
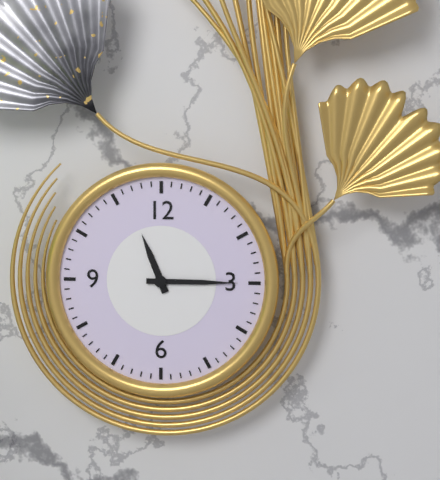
11:15
